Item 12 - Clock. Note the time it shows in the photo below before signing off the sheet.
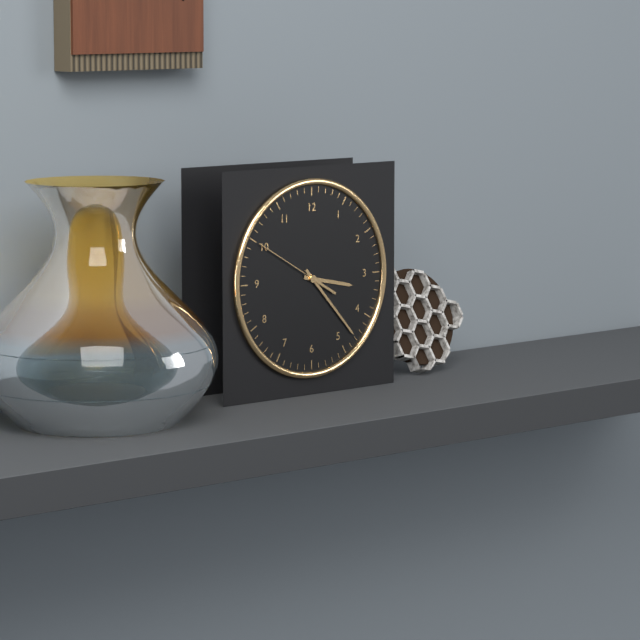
3:23:50
